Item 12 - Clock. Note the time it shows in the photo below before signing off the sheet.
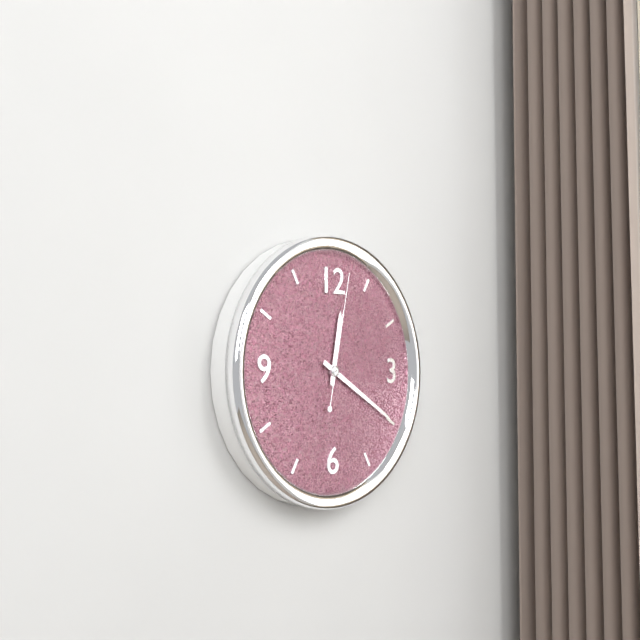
12:20:02
